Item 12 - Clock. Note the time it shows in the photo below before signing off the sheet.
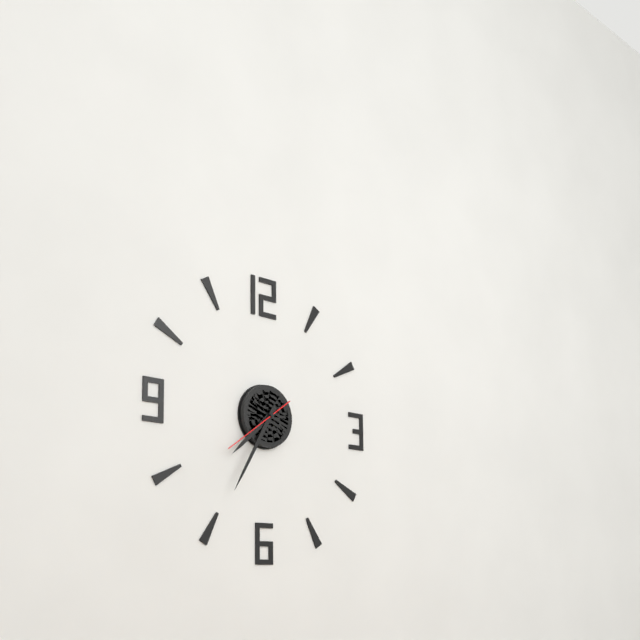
7:35:39
